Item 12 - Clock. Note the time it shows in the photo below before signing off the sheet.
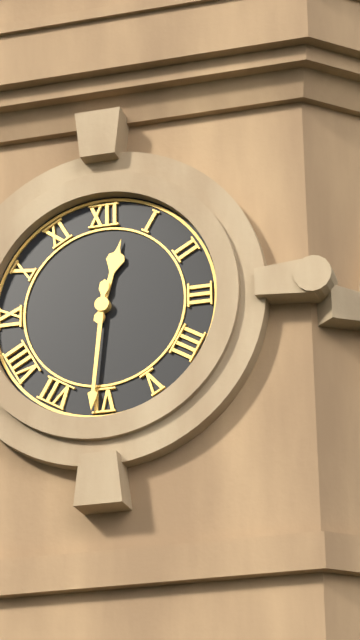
12:31
